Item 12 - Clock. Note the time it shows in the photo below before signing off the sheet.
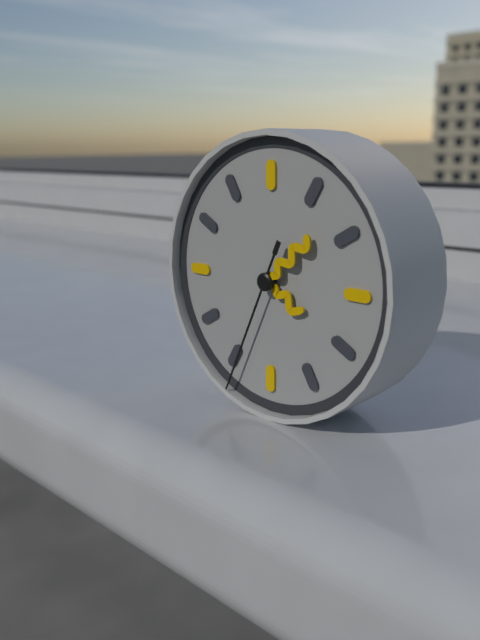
4:08:34
